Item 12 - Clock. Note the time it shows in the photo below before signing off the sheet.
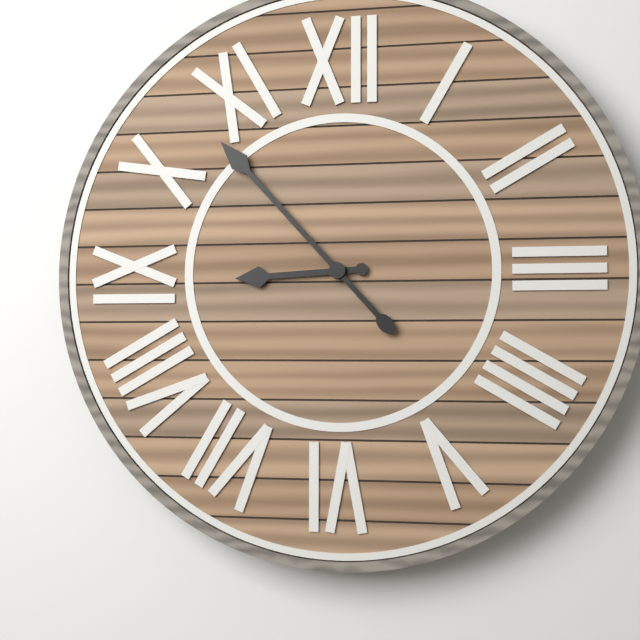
8:53
